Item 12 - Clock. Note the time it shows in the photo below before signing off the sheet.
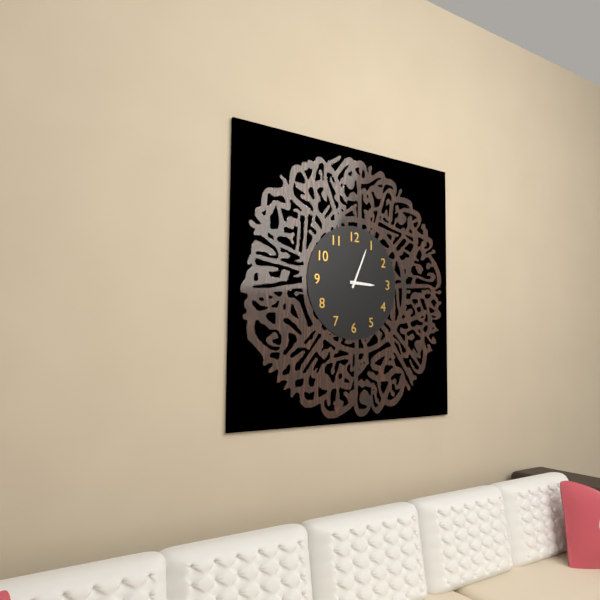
3:04
